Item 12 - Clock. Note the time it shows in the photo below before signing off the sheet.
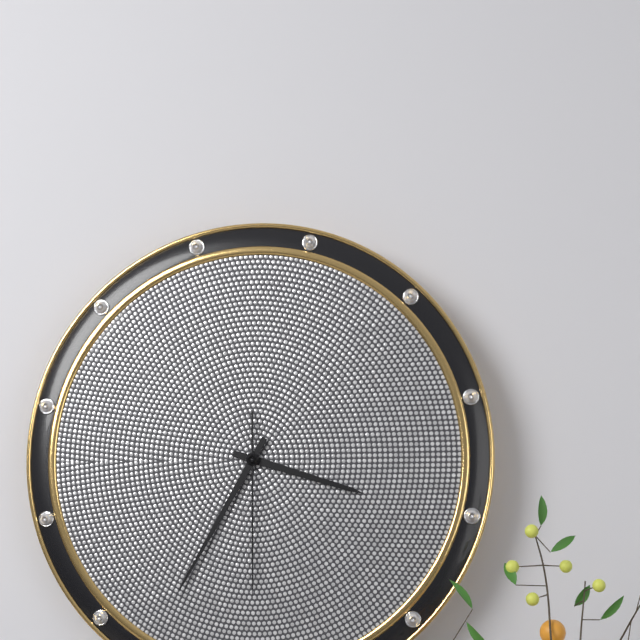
3:35:30
